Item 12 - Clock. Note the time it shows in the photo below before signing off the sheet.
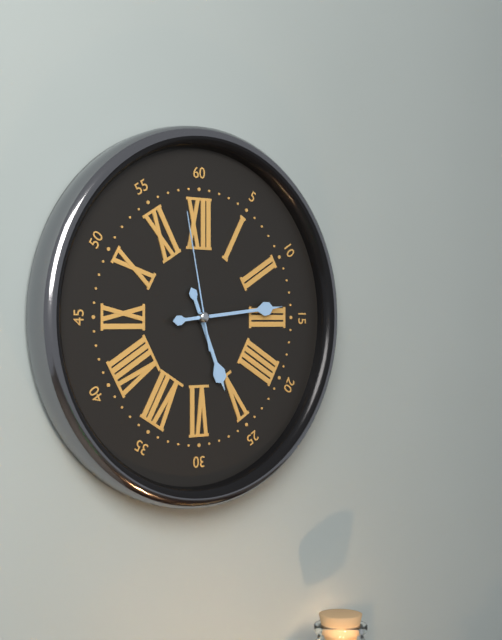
5:14:58
